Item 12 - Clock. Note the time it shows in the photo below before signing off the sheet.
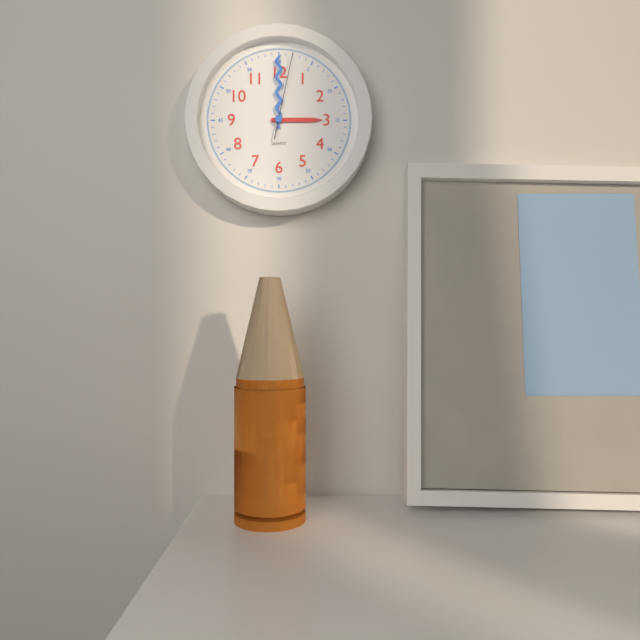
3:00:02
